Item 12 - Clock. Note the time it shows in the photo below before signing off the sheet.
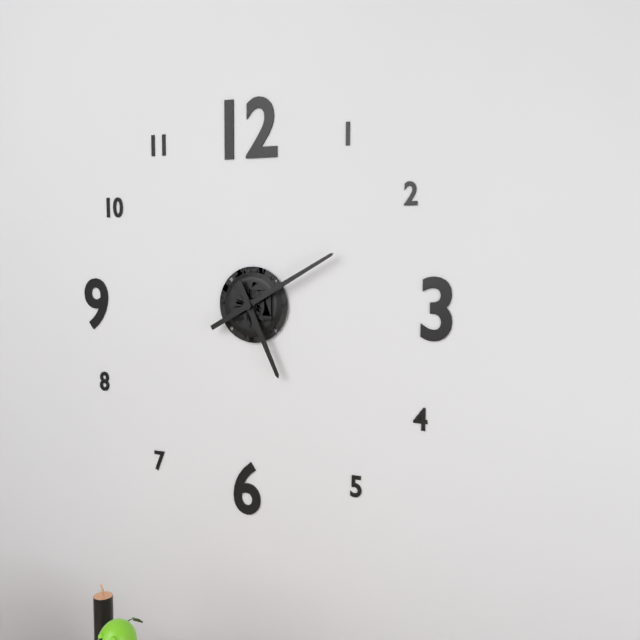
5:10
